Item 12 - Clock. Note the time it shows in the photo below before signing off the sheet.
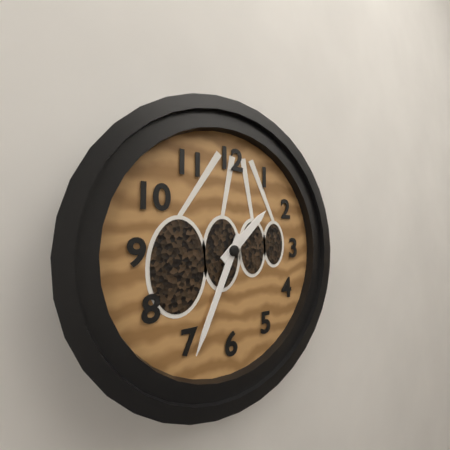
1:34
